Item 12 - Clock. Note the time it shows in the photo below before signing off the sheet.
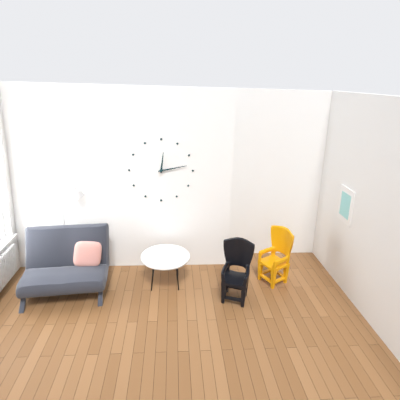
12:13
